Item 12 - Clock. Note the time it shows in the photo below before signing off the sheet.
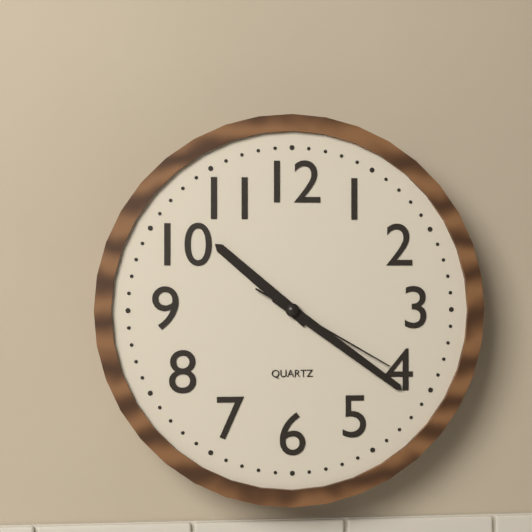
10:21:20
